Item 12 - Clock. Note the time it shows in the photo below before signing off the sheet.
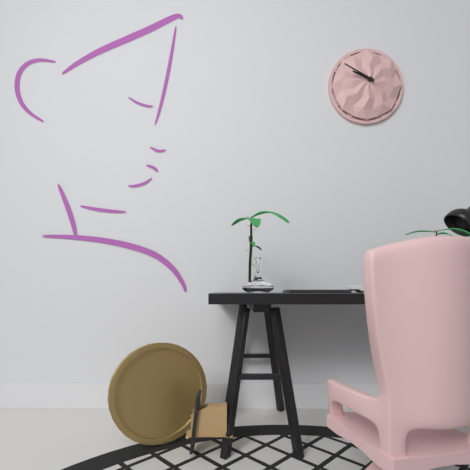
9:50
